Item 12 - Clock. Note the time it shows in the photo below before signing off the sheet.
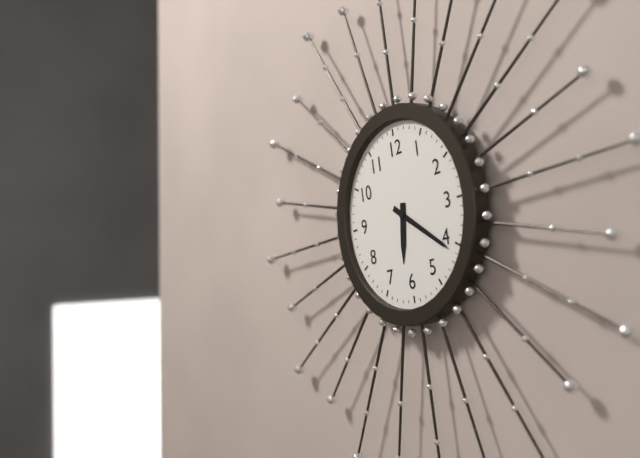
6:21
